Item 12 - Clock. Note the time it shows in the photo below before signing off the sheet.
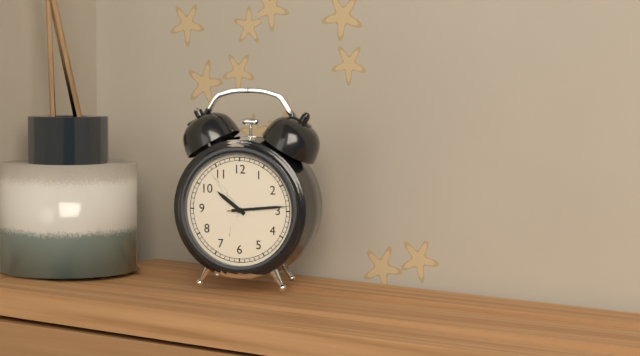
10:14:14
